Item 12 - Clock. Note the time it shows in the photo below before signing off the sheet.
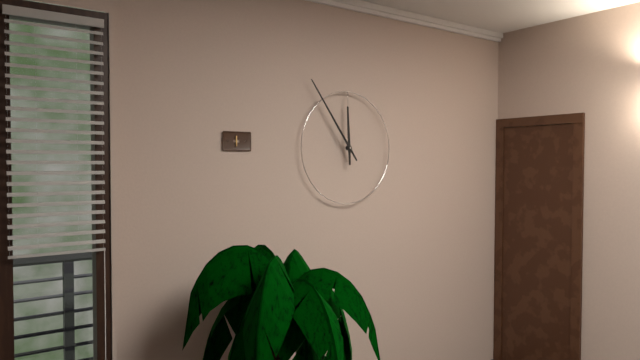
11:54
